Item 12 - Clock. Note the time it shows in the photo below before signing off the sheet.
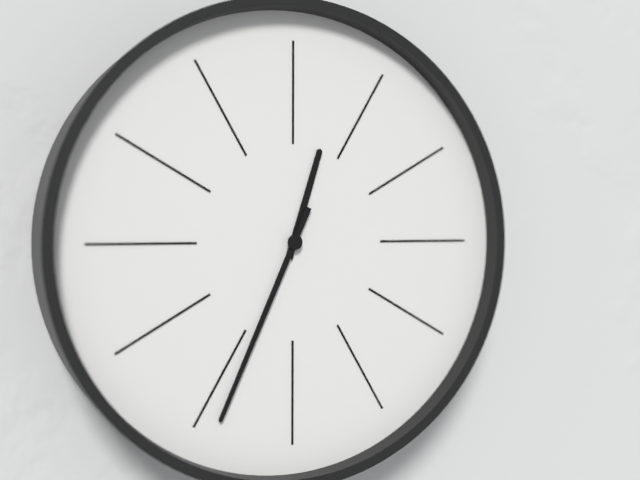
12:34
